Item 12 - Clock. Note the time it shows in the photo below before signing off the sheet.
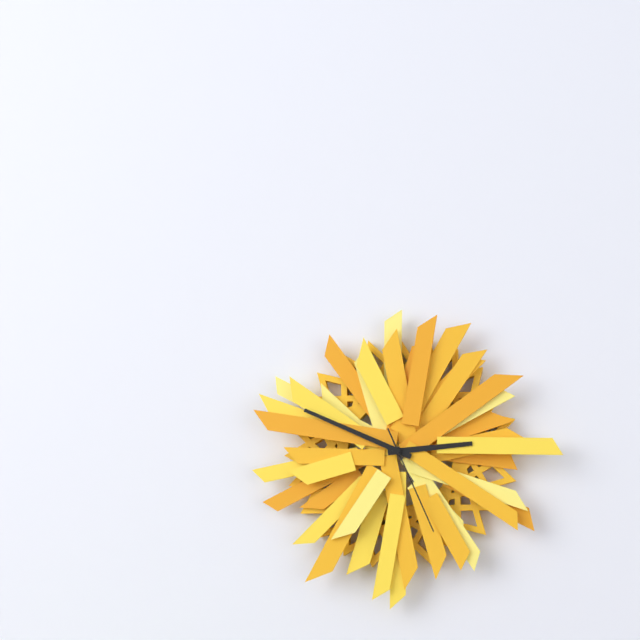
2:49:26
